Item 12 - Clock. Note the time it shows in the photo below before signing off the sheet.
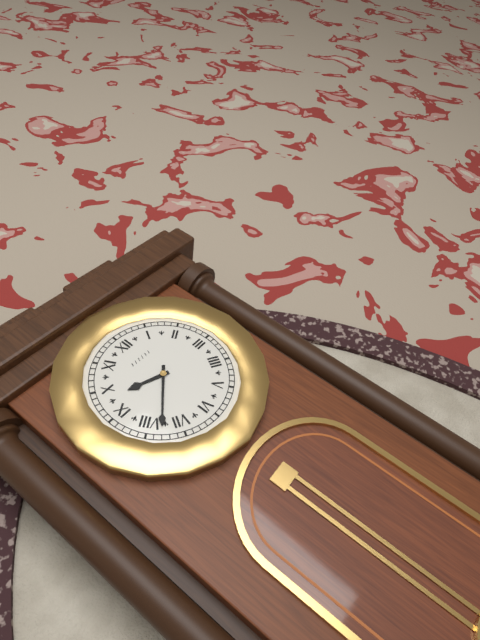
9:38
